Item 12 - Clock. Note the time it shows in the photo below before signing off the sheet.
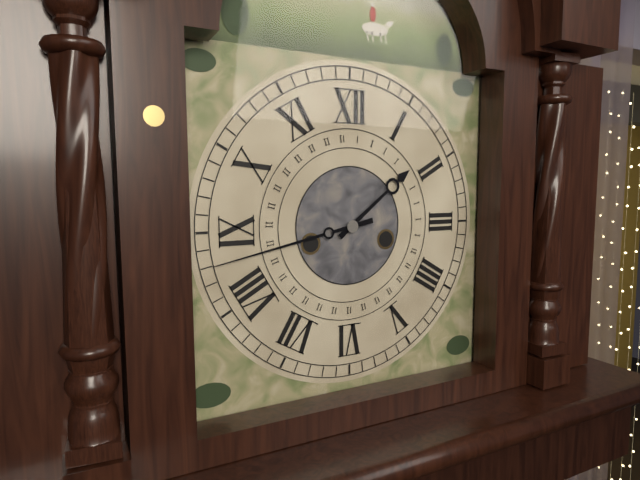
1:43
